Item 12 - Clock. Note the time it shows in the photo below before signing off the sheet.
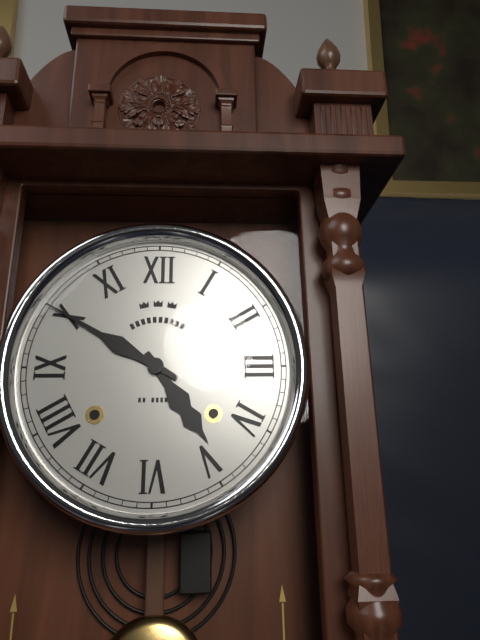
4:50
